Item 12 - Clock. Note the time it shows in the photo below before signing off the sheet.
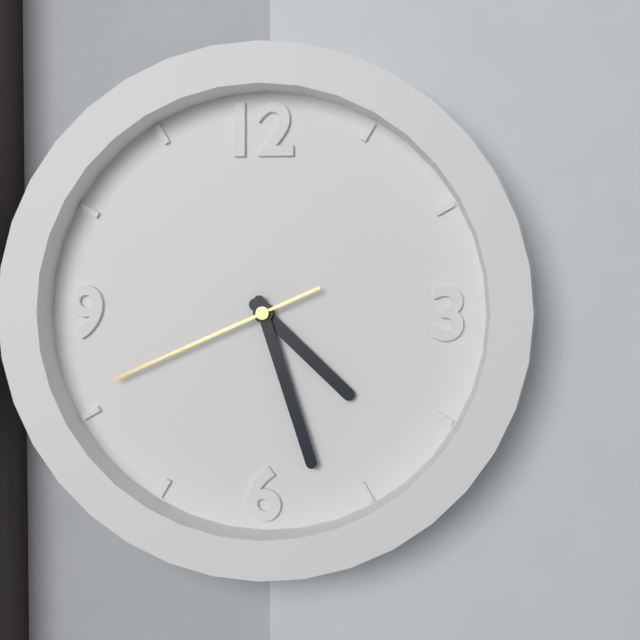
4:27:41
